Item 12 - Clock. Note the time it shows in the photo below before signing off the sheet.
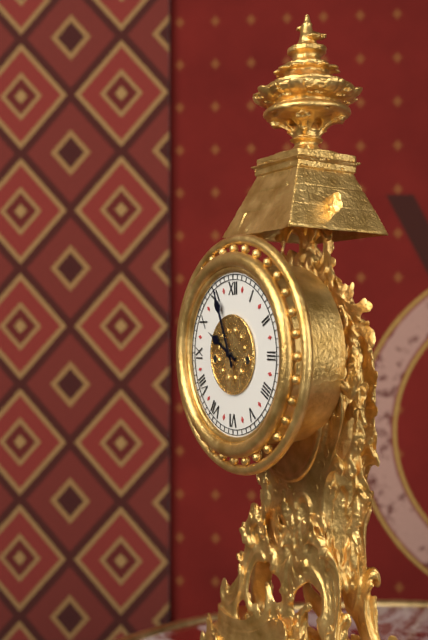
9:56
